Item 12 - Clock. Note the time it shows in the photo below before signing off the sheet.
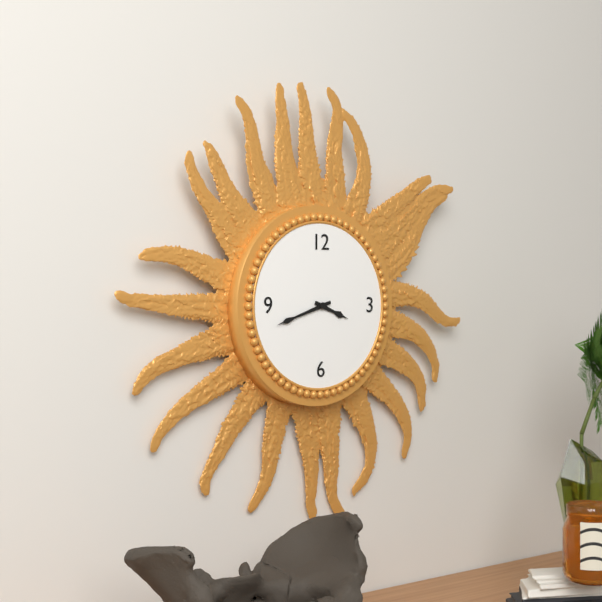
3:42
